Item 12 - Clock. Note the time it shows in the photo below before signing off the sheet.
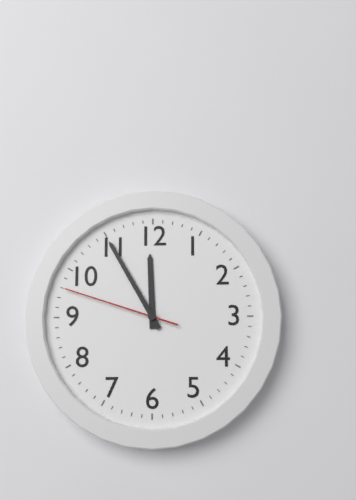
11:55:48
